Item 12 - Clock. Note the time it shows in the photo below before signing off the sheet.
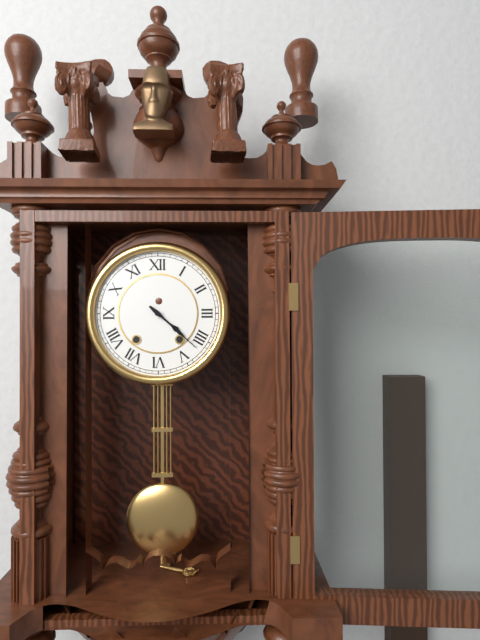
4:22
